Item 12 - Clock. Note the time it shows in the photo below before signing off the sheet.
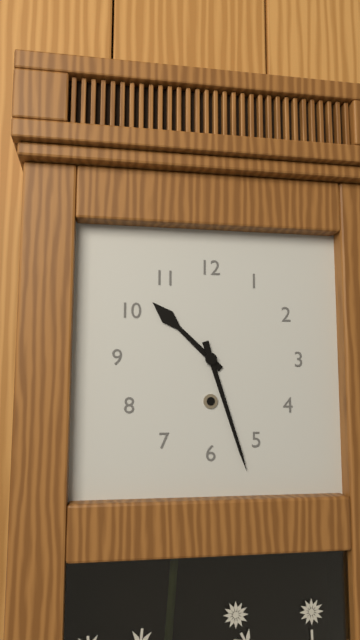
10:27
